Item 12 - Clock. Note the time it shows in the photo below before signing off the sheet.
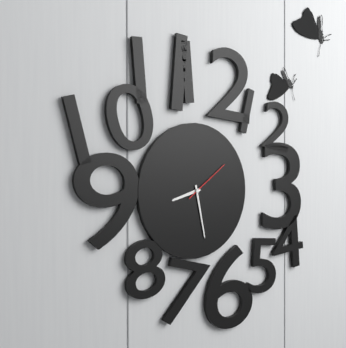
8:28
